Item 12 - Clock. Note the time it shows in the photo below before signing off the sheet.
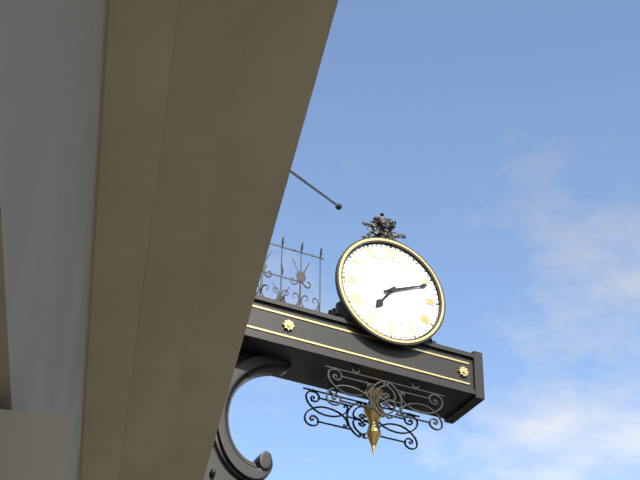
7:11
